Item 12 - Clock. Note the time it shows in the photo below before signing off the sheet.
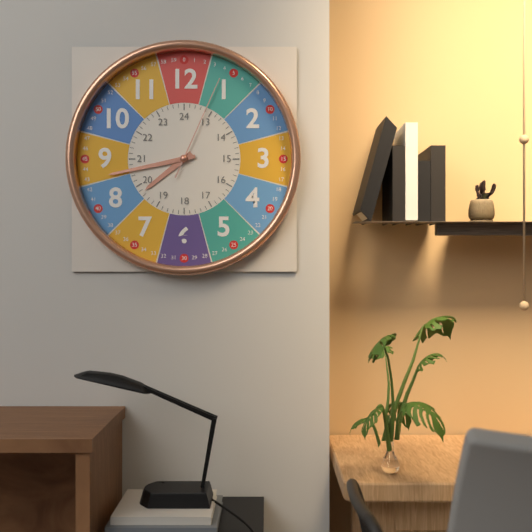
7:43:04
